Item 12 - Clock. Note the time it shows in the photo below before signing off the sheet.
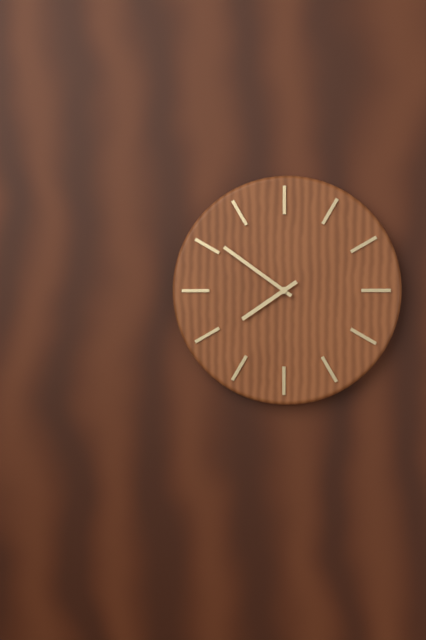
7:51
